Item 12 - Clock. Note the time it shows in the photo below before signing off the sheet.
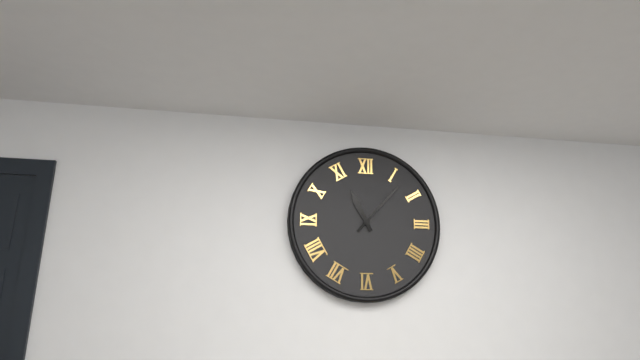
11:07
